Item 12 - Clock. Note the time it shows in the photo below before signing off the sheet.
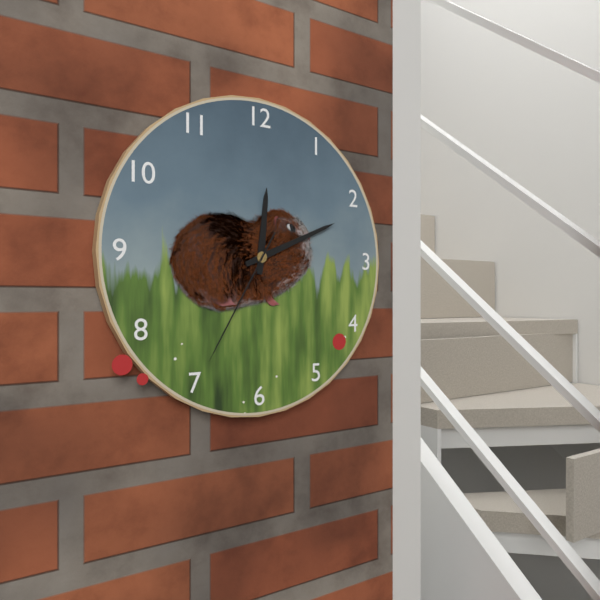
12:11:35
